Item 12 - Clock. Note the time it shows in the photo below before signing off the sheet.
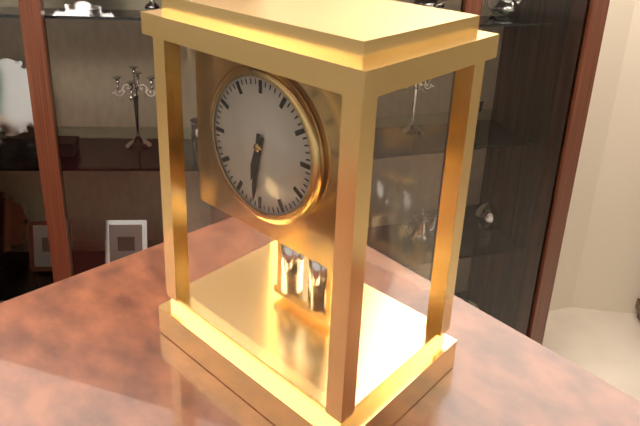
6:31
